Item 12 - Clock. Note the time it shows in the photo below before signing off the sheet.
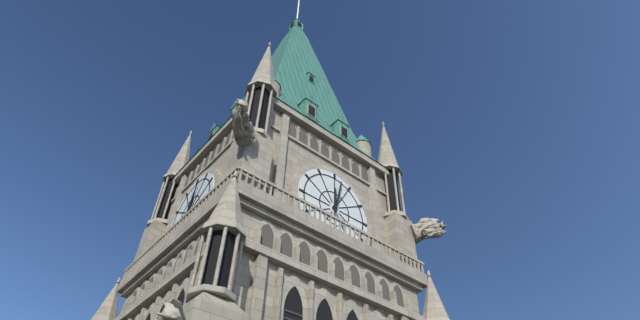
12:02
